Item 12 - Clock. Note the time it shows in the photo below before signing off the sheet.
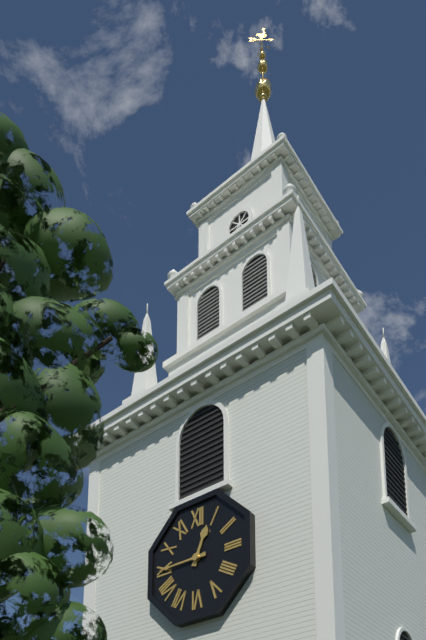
12:45
